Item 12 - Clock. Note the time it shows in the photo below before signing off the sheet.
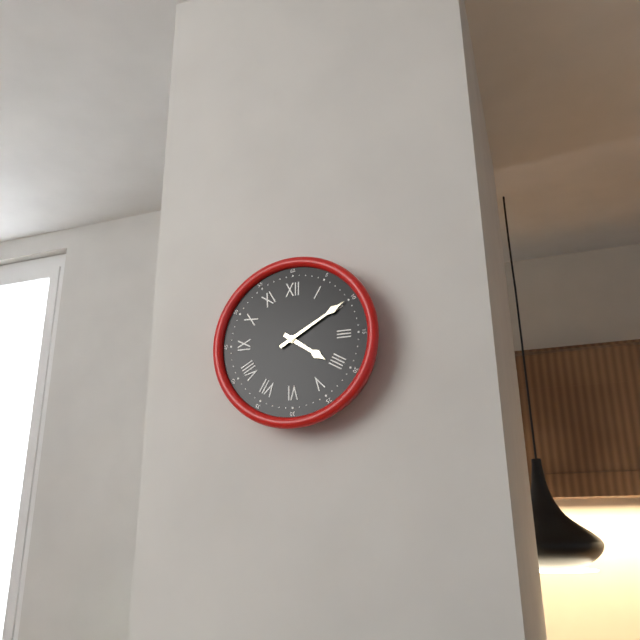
4:10
